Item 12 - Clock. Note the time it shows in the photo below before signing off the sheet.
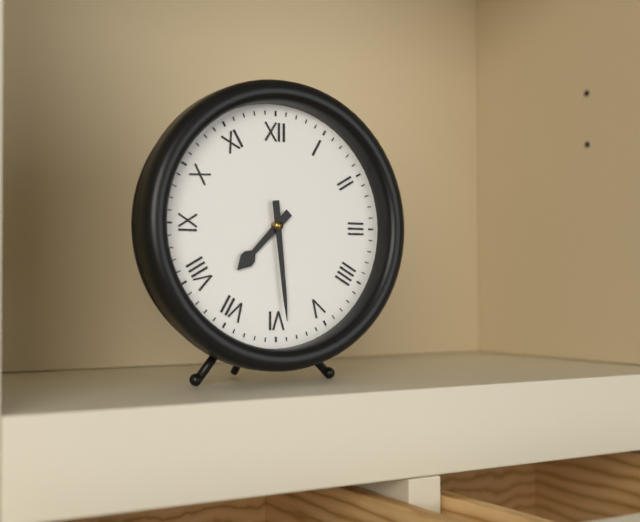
7:29
